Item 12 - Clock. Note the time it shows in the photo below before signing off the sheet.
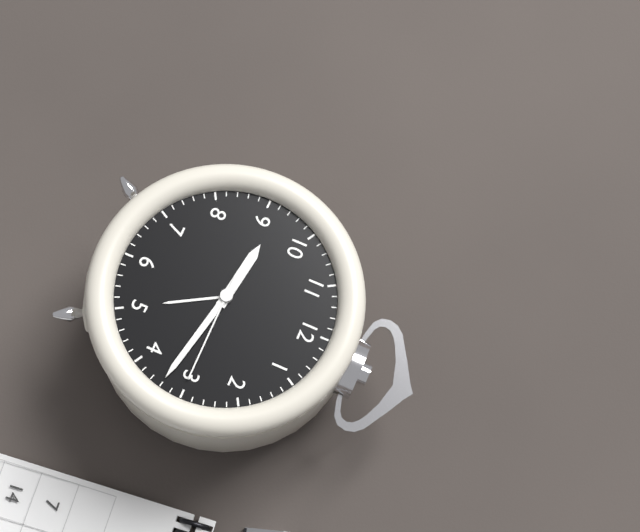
9:17:15
